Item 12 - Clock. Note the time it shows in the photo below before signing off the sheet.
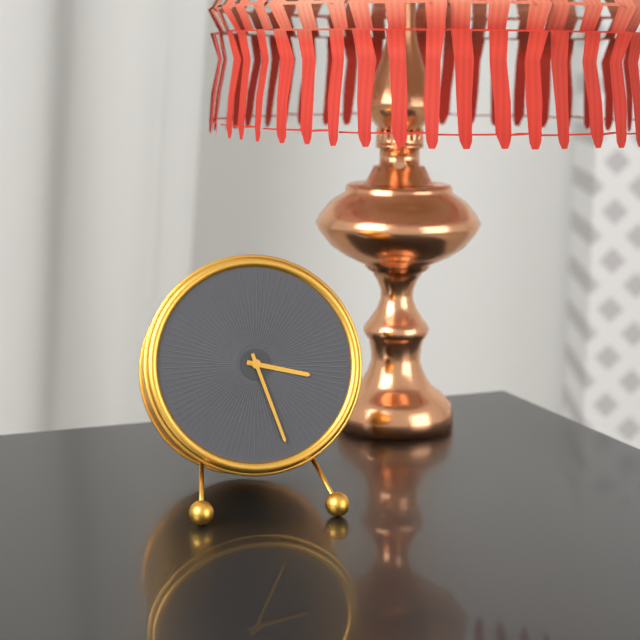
3:27
